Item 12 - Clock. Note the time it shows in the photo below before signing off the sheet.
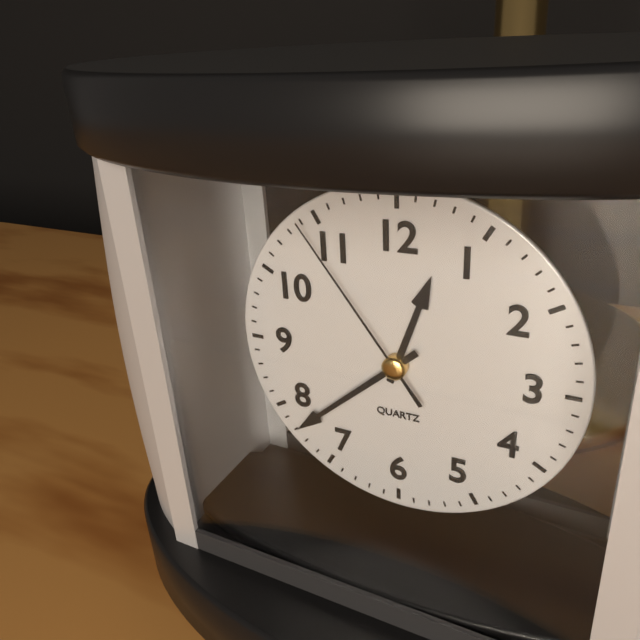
12:38:54
